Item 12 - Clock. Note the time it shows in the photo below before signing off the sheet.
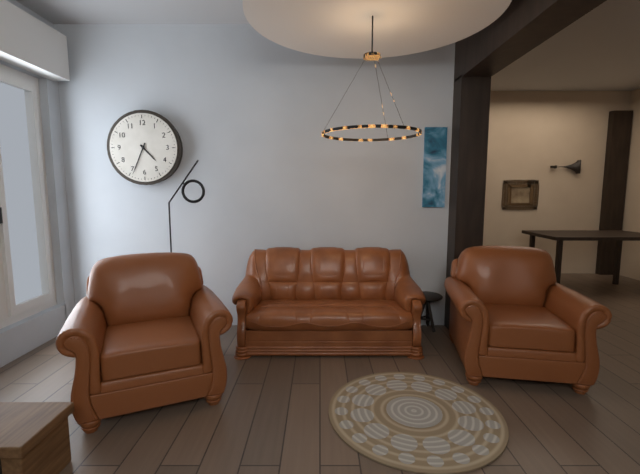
4:34
